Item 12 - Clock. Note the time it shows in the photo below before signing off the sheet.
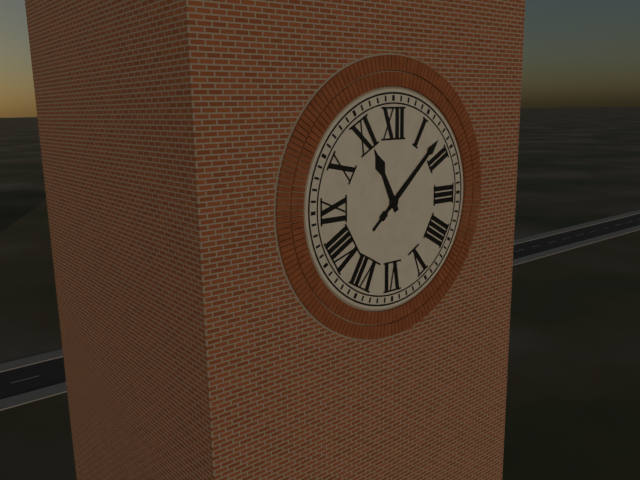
11:08
